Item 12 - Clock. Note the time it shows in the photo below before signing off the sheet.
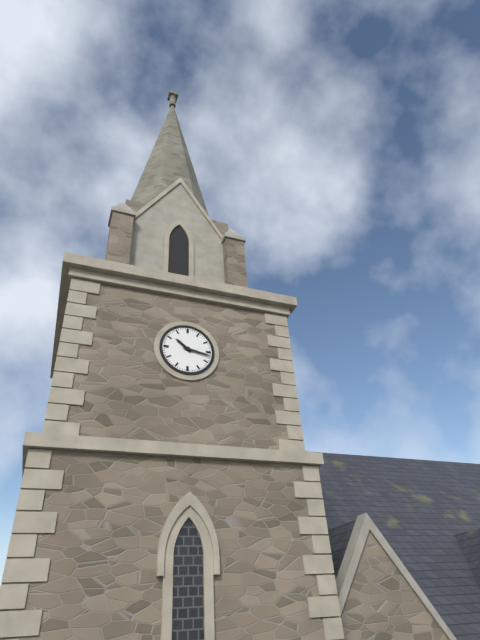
10:17
